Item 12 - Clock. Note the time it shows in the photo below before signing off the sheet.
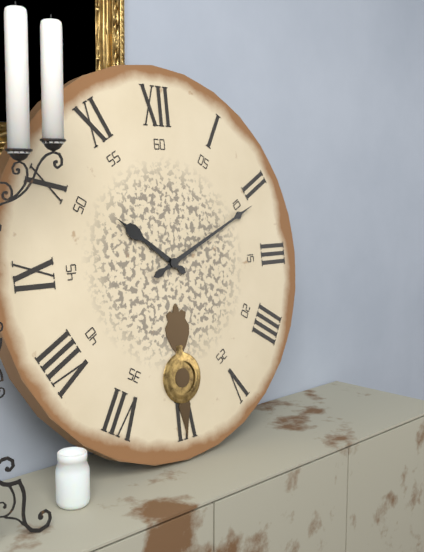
10:11
